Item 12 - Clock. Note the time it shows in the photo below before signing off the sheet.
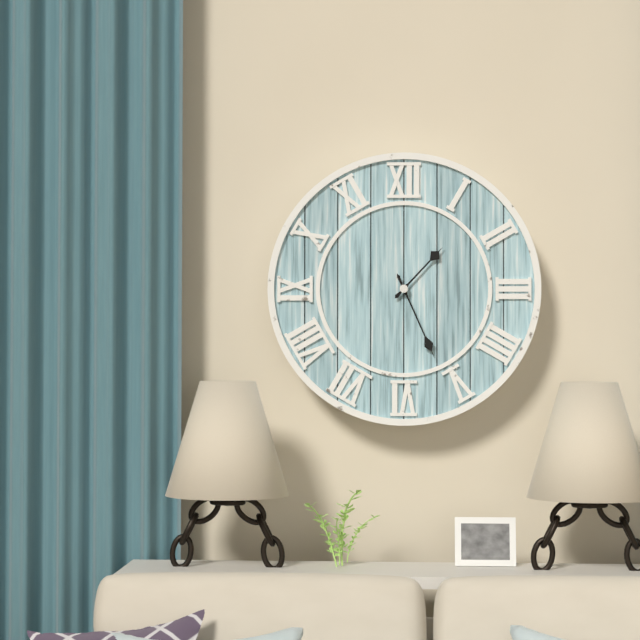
1:26
